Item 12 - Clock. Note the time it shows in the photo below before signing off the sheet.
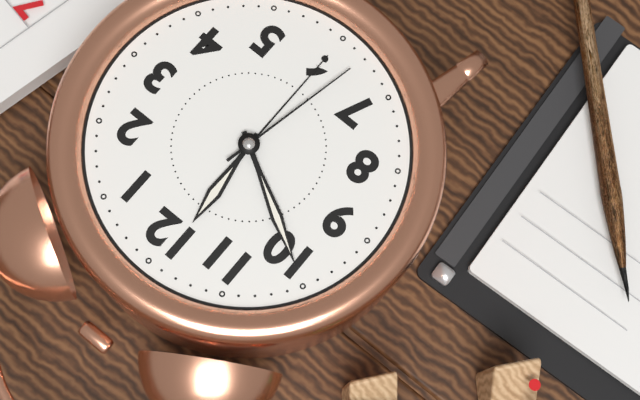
11:50:32
